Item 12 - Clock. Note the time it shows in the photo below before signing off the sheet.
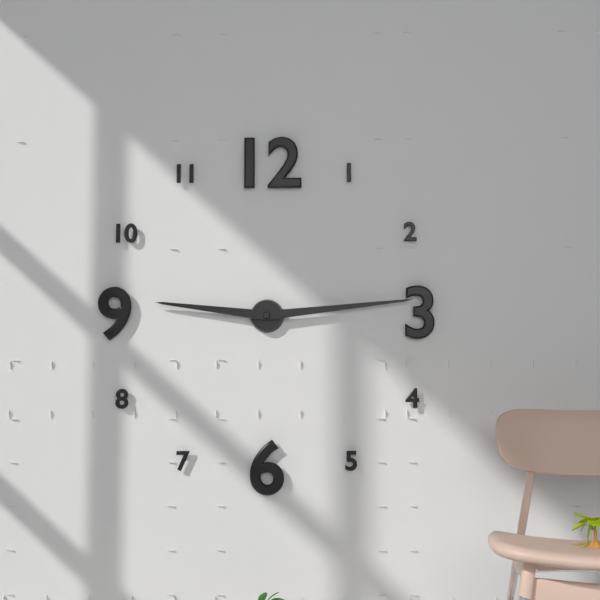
9:14
